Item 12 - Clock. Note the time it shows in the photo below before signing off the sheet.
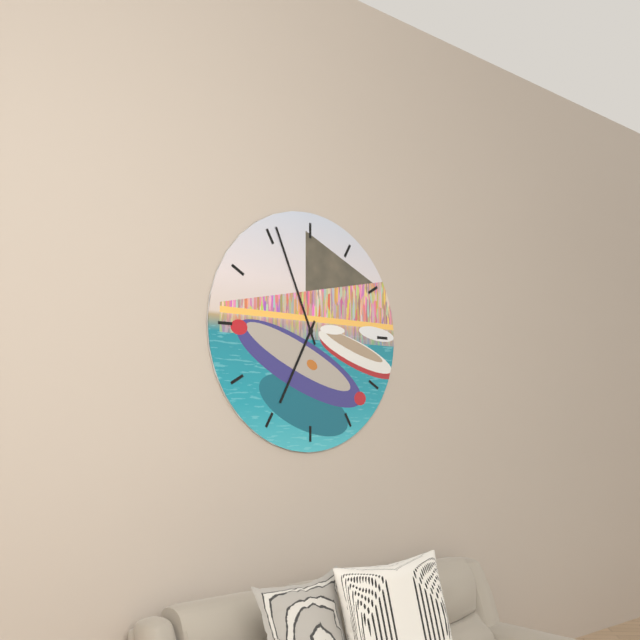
6:56
